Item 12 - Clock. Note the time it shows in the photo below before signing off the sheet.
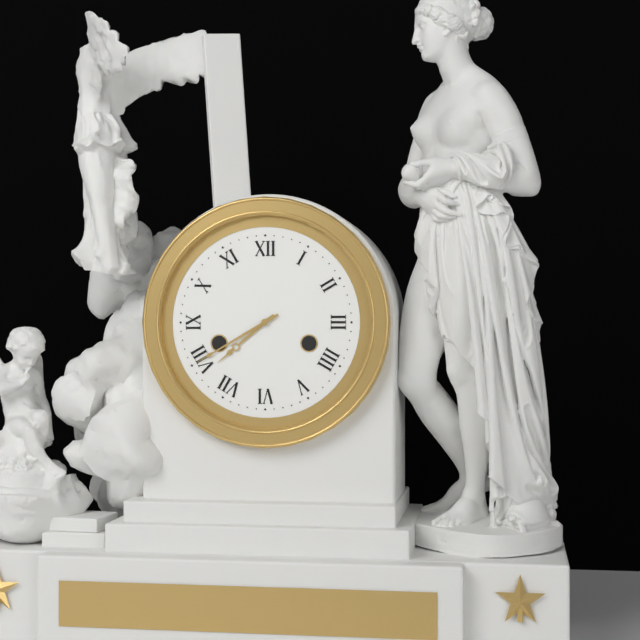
7:40
